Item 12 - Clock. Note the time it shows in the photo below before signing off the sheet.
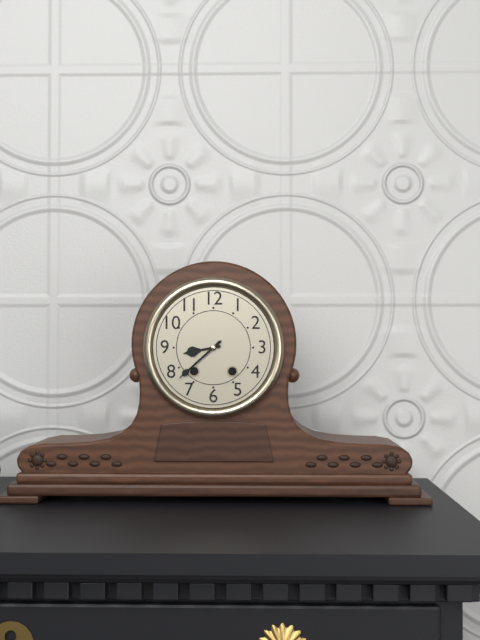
8:38
